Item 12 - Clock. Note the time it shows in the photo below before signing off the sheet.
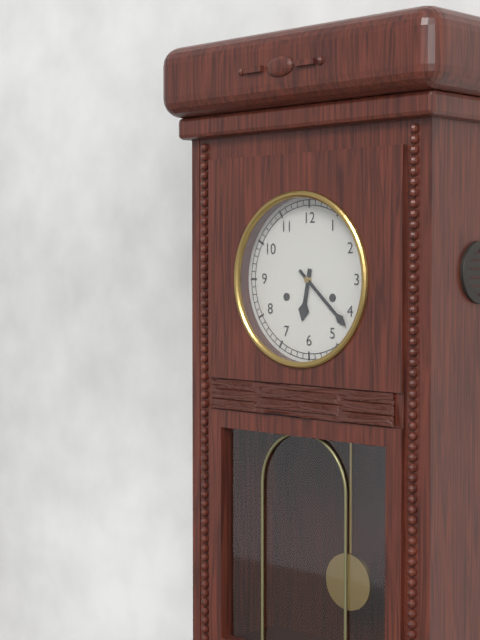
6:22
